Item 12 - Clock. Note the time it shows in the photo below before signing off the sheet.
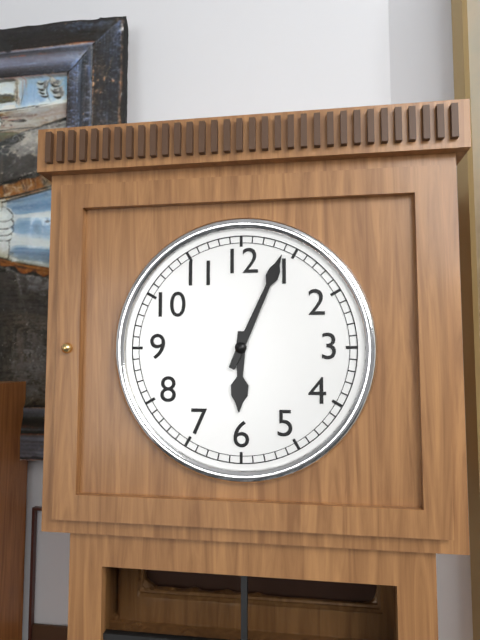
6:04
